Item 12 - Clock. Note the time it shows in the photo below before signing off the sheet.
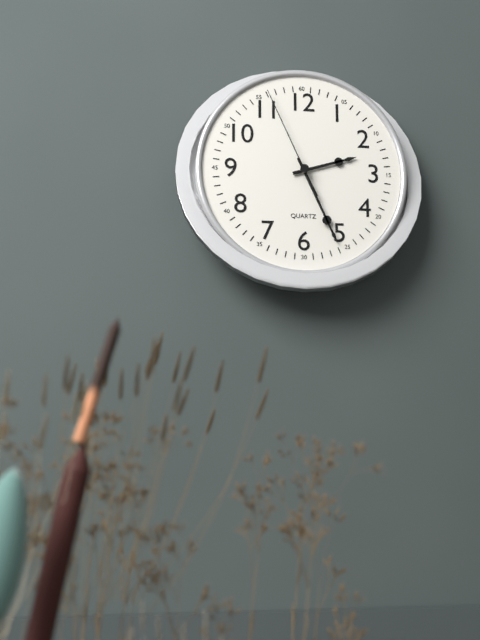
2:26:56
